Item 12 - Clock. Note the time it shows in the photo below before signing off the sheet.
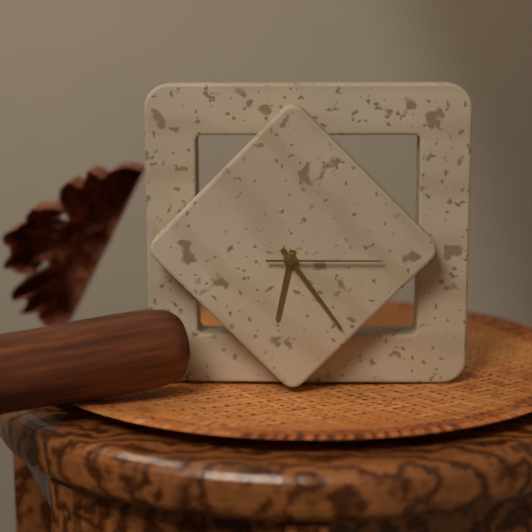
6:24:15
